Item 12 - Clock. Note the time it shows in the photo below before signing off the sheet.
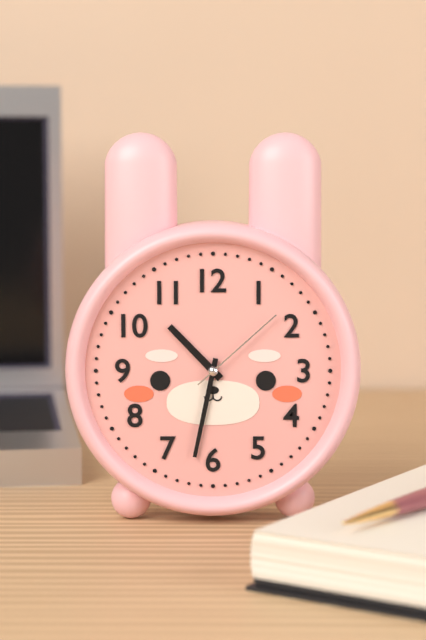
10:32:08
